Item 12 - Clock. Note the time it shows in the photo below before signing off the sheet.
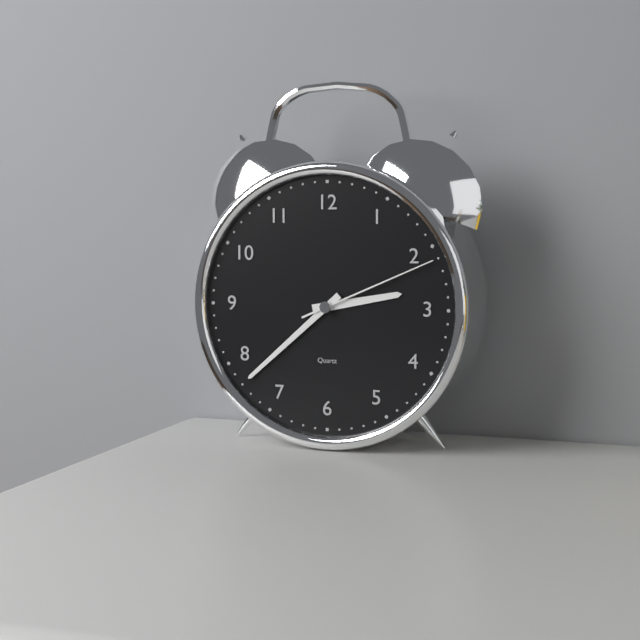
2:38:11
